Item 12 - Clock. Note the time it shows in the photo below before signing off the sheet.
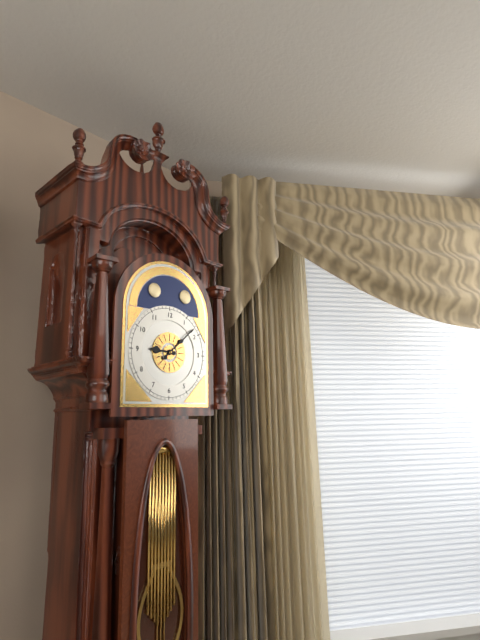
9:08
